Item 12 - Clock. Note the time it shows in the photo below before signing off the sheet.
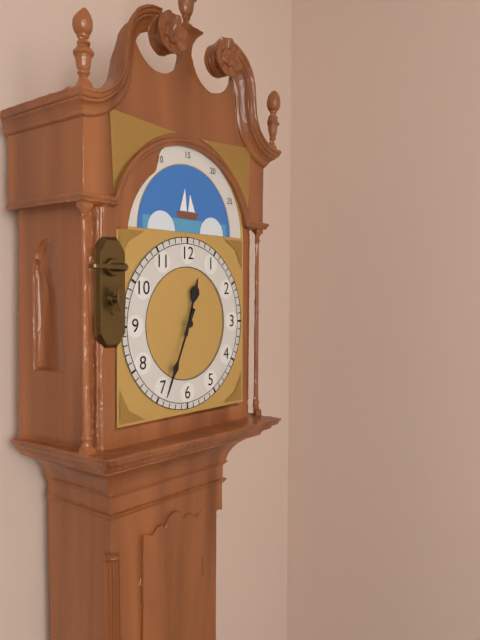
12:34
